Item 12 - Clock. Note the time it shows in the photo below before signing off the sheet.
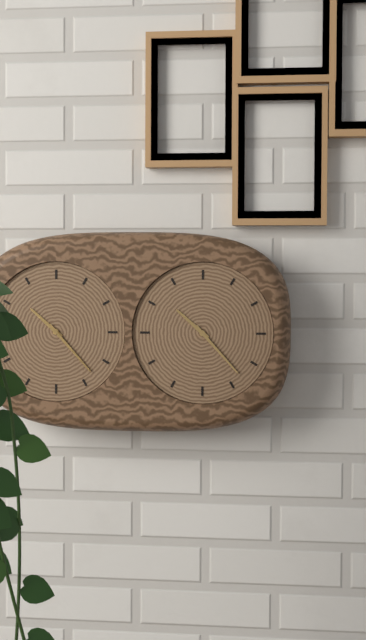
10:23
